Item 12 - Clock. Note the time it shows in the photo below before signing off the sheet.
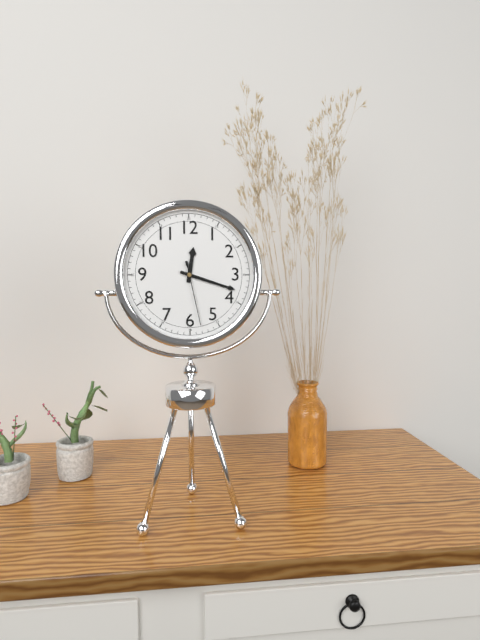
12:18:28
